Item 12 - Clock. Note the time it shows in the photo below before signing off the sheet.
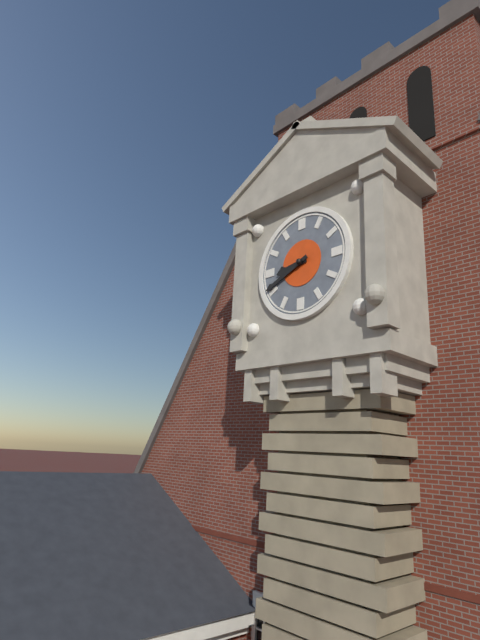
8:41
